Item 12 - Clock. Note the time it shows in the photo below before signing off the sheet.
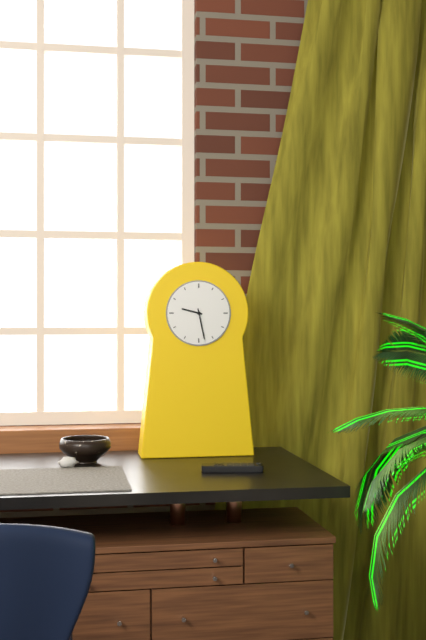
9:28
